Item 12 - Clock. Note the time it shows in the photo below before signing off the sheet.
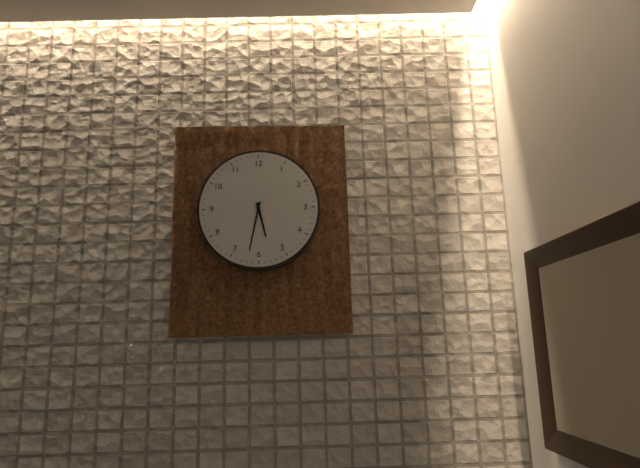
5:32
